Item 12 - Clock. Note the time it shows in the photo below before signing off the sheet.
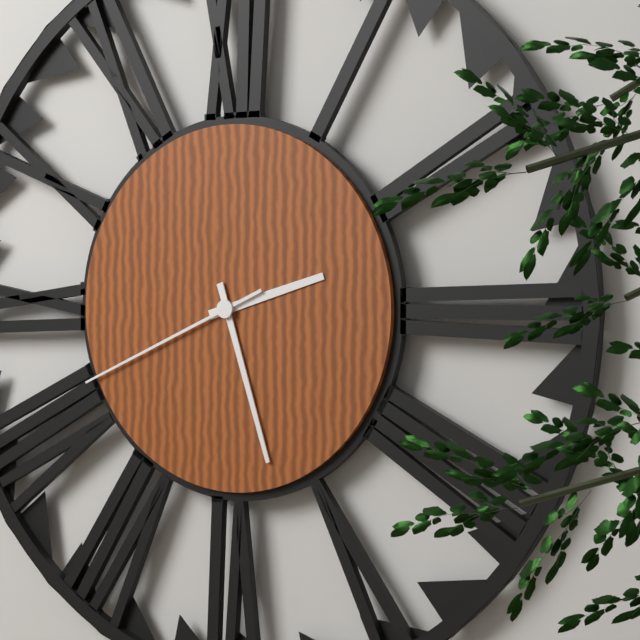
2:27:41
